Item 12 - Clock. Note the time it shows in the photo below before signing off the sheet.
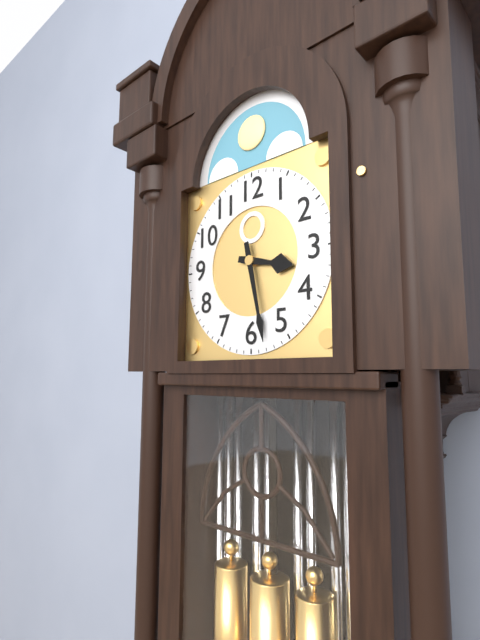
3:28
